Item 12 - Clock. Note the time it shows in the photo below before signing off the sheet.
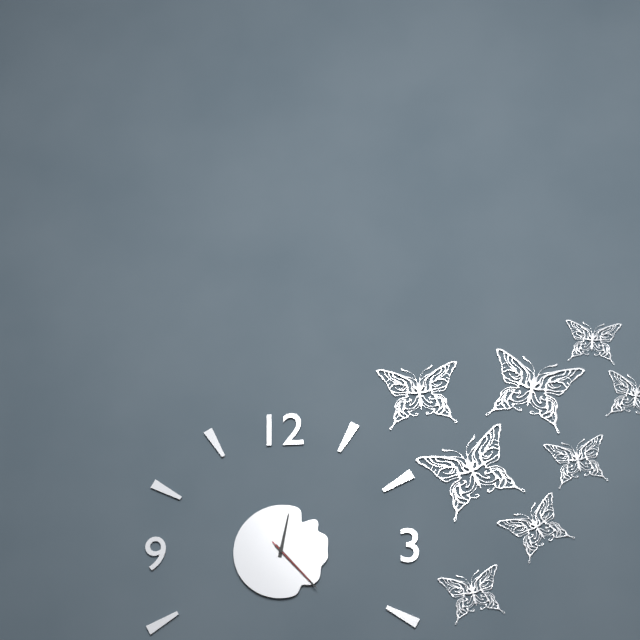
12:23:23
